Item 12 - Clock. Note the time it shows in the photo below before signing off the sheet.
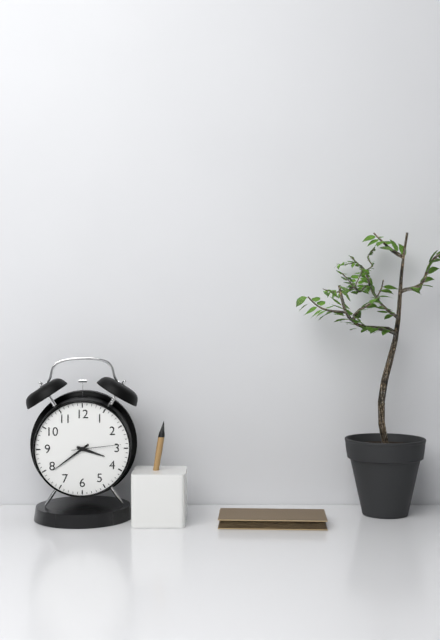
3:39
